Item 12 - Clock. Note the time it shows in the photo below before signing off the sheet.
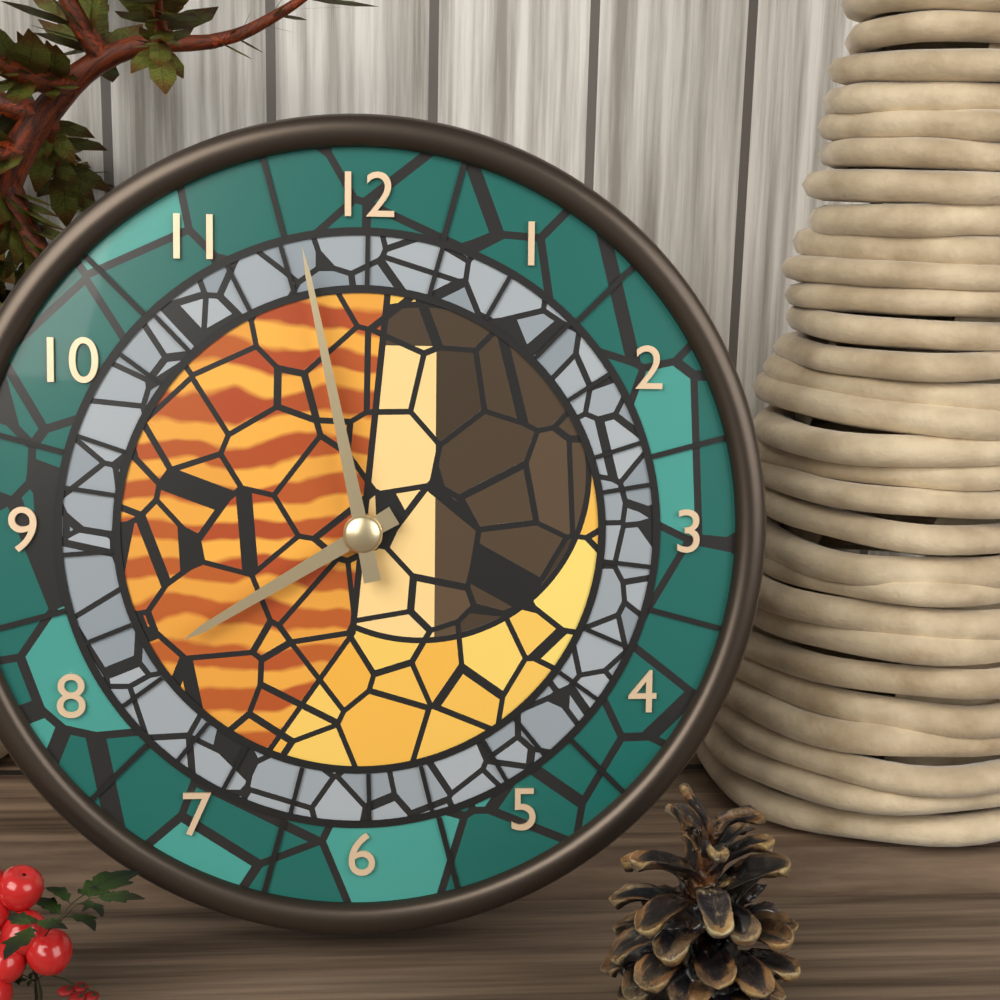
7:58
